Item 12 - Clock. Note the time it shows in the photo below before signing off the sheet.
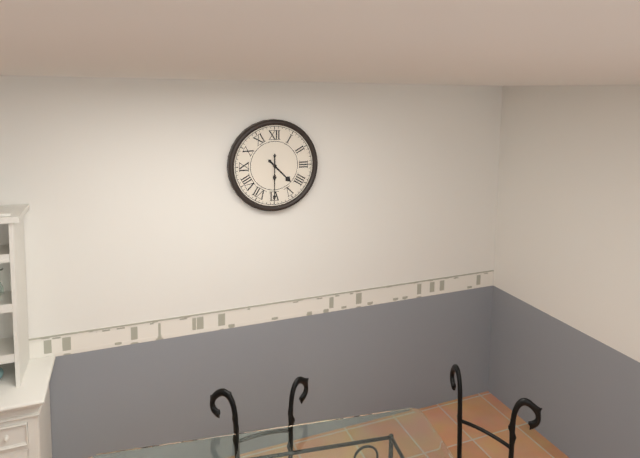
4:30
